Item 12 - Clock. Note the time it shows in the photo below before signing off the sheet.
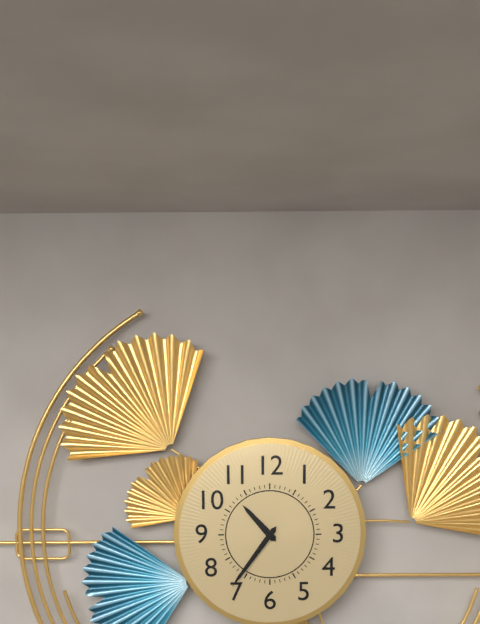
10:36
